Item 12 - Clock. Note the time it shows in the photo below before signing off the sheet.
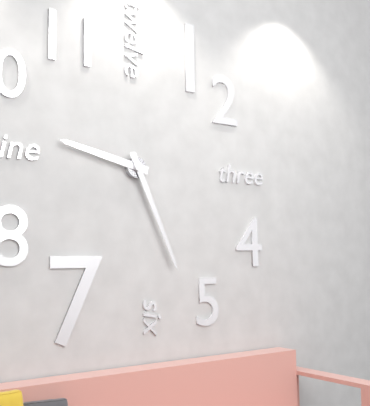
9:26
